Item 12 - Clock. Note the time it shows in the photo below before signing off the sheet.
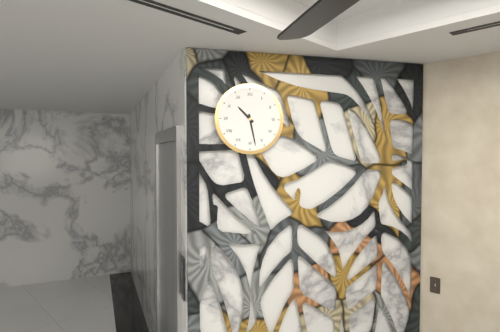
10:28
